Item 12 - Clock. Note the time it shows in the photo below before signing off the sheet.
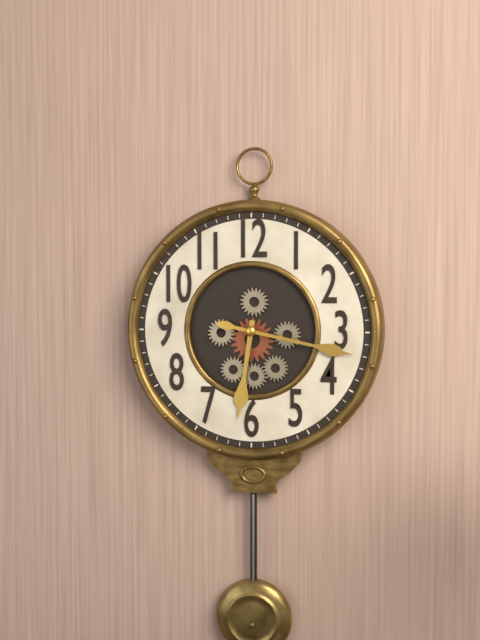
6:17
